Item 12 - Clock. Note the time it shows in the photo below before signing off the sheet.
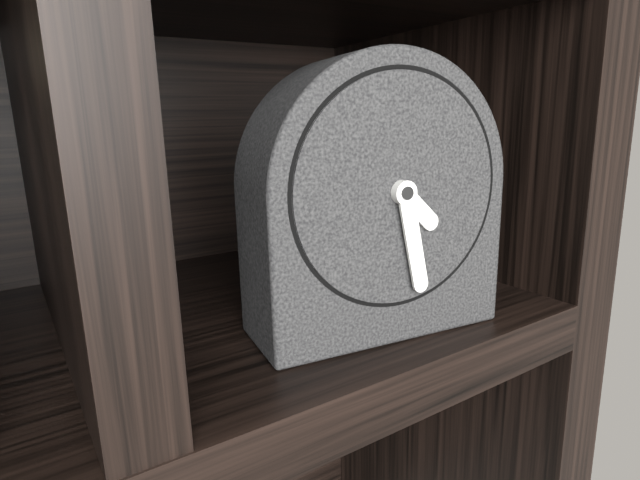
4:28
